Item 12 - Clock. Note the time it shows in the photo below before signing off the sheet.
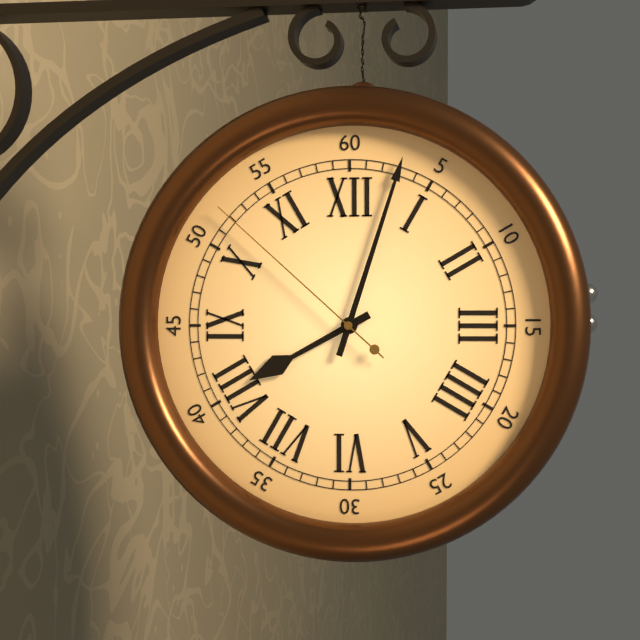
8:03:52
